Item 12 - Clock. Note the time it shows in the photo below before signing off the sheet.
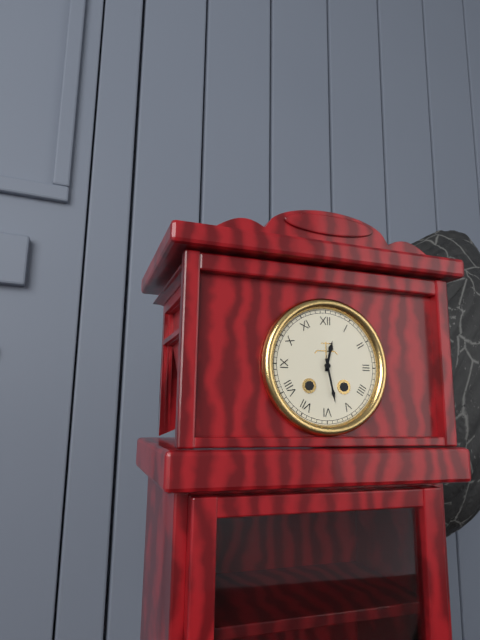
12:28
